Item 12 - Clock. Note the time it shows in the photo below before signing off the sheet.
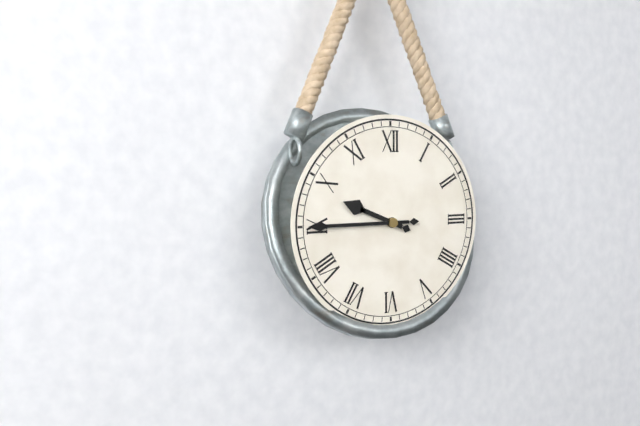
9:45
